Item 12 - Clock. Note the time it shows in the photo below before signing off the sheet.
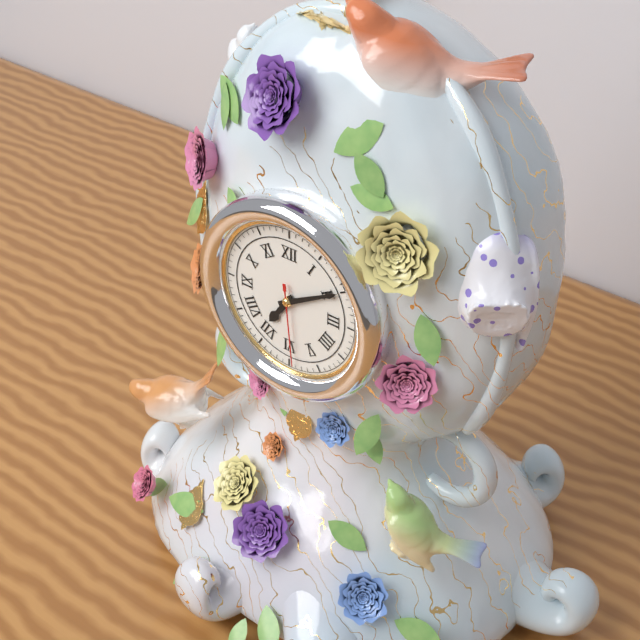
7:10:29
